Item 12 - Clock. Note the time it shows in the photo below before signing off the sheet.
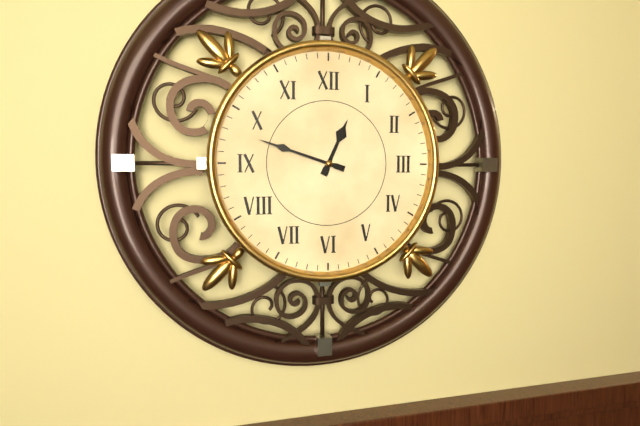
12:48
